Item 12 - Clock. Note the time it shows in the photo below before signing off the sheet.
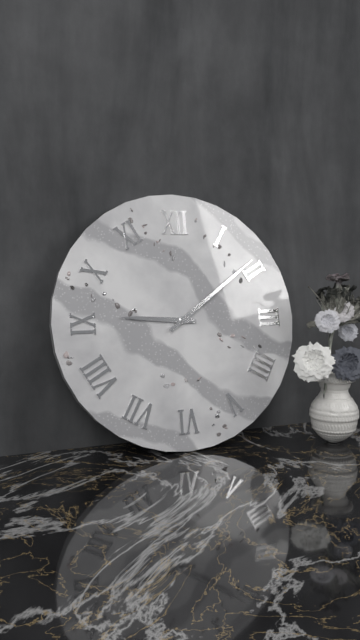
9:09
